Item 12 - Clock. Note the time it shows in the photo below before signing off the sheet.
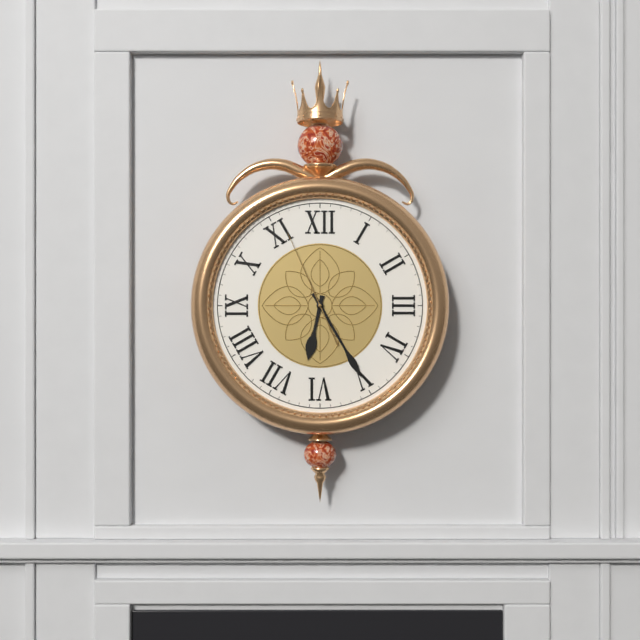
6:25:56
